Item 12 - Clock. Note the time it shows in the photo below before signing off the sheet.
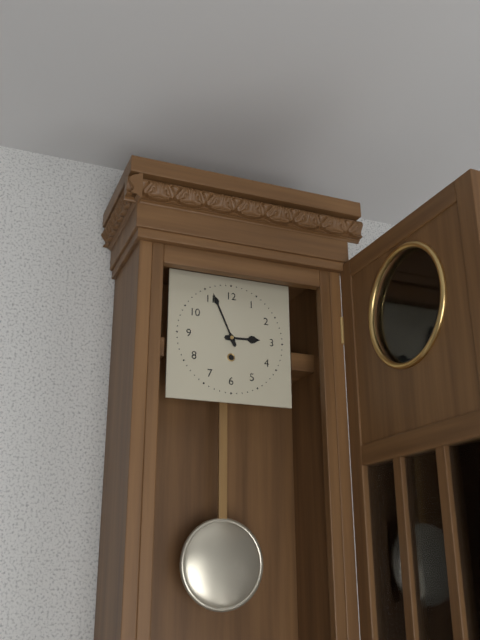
2:56
